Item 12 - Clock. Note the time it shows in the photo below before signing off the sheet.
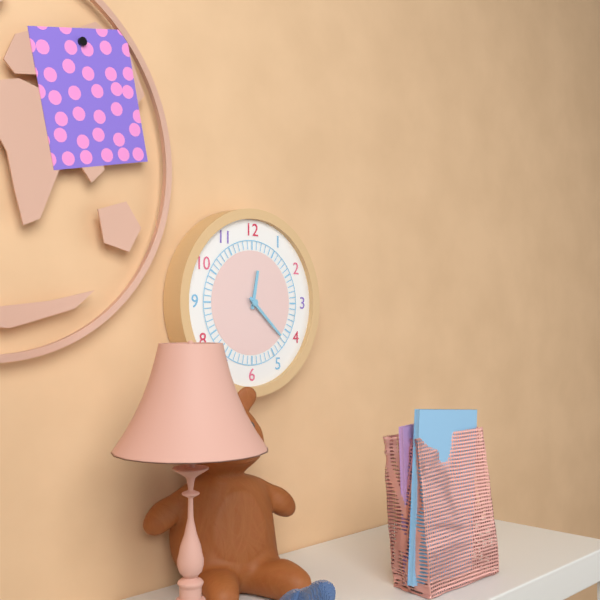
12:22
